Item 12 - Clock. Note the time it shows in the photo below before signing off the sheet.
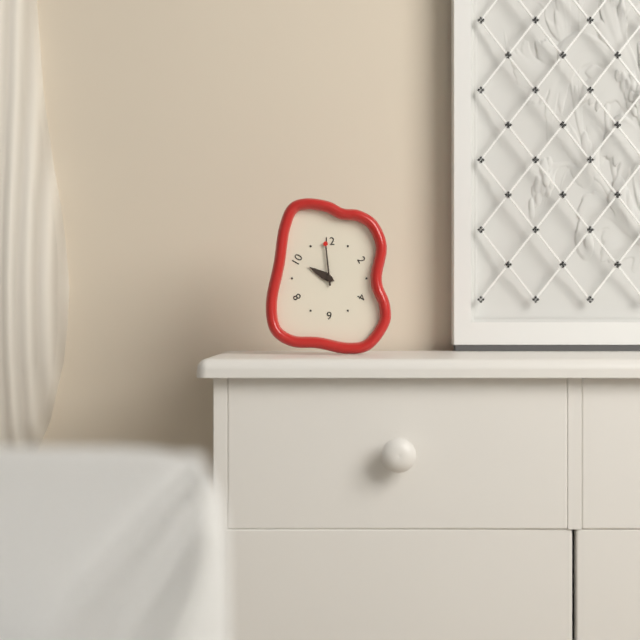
9:59
